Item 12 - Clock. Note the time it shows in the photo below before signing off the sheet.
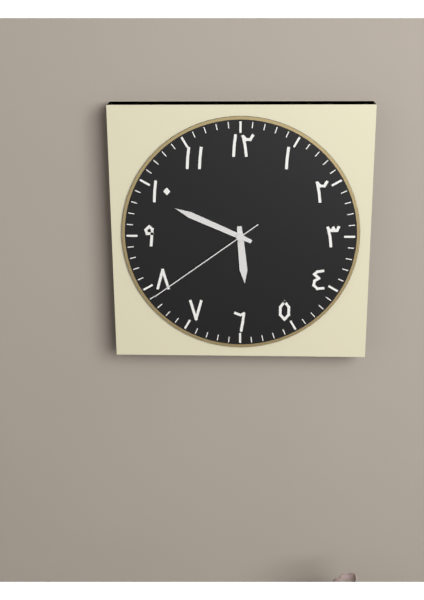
5:49:39
